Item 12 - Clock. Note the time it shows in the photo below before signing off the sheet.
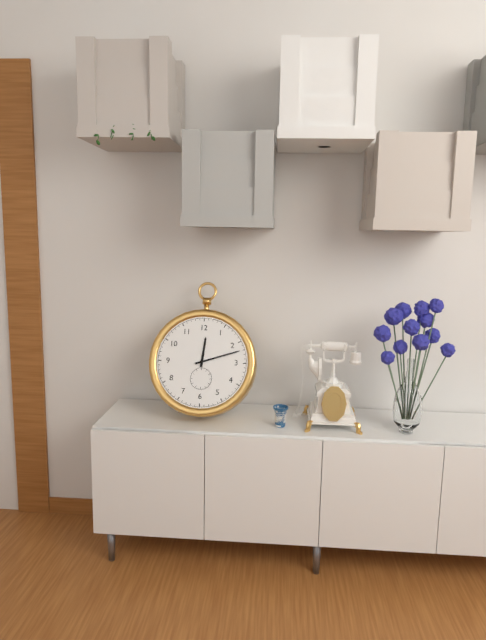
12:12
